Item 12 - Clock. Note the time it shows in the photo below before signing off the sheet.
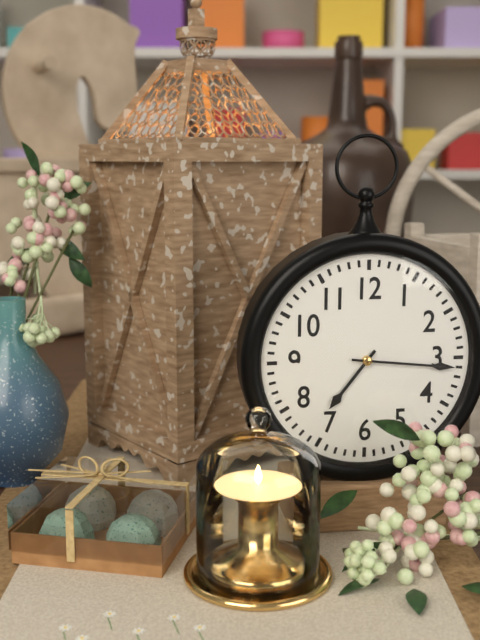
7:16
